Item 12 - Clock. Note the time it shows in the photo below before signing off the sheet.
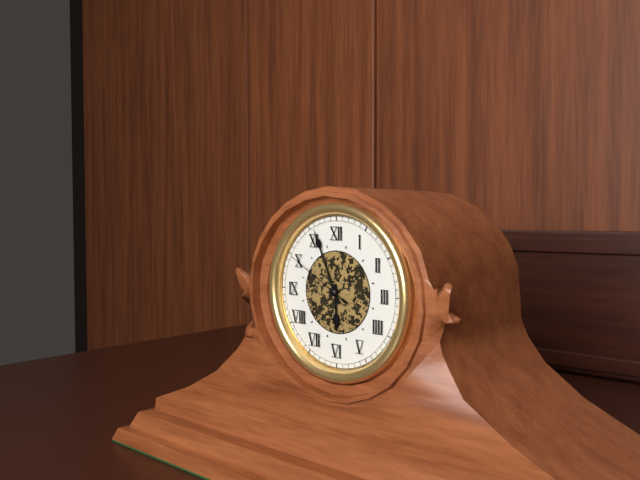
5:56:50
